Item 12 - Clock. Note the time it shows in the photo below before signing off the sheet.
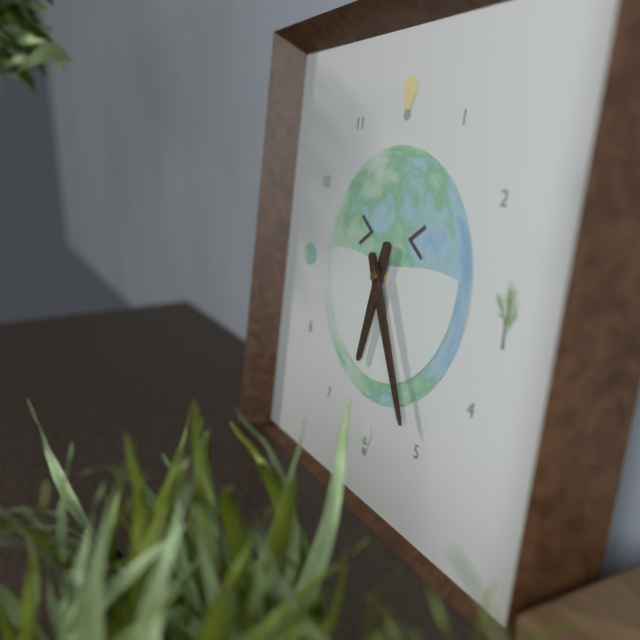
6:25
